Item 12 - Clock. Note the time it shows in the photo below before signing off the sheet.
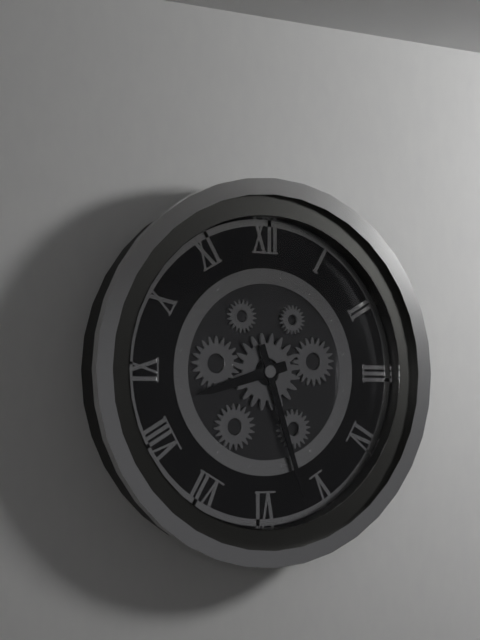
8:27
